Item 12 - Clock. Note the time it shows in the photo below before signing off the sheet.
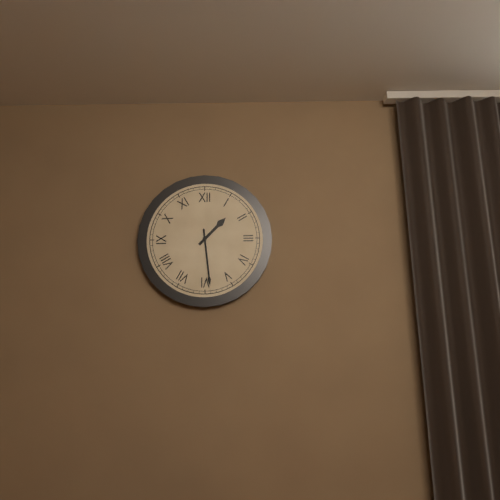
1:29
